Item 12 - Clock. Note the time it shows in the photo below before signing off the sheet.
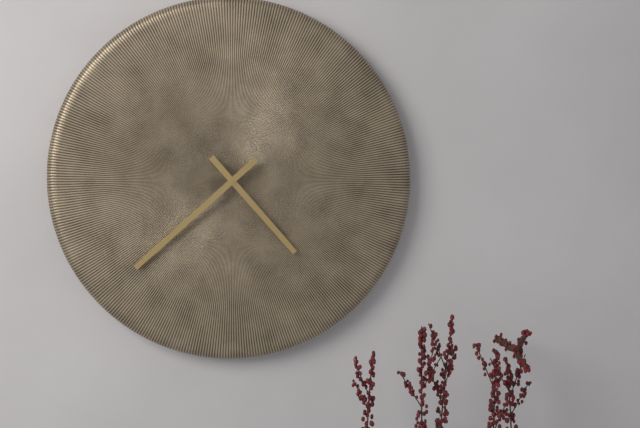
4:38
